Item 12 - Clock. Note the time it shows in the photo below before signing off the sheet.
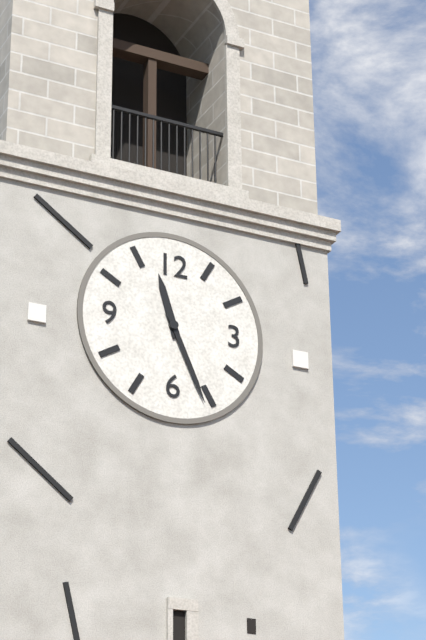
11:26
